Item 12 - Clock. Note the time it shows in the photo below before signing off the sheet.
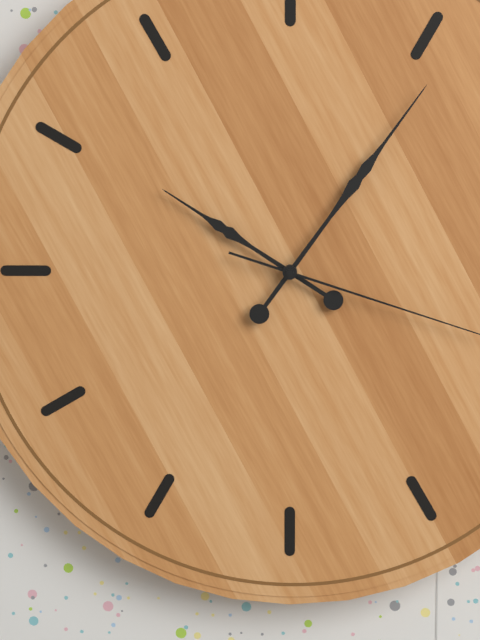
10:06
